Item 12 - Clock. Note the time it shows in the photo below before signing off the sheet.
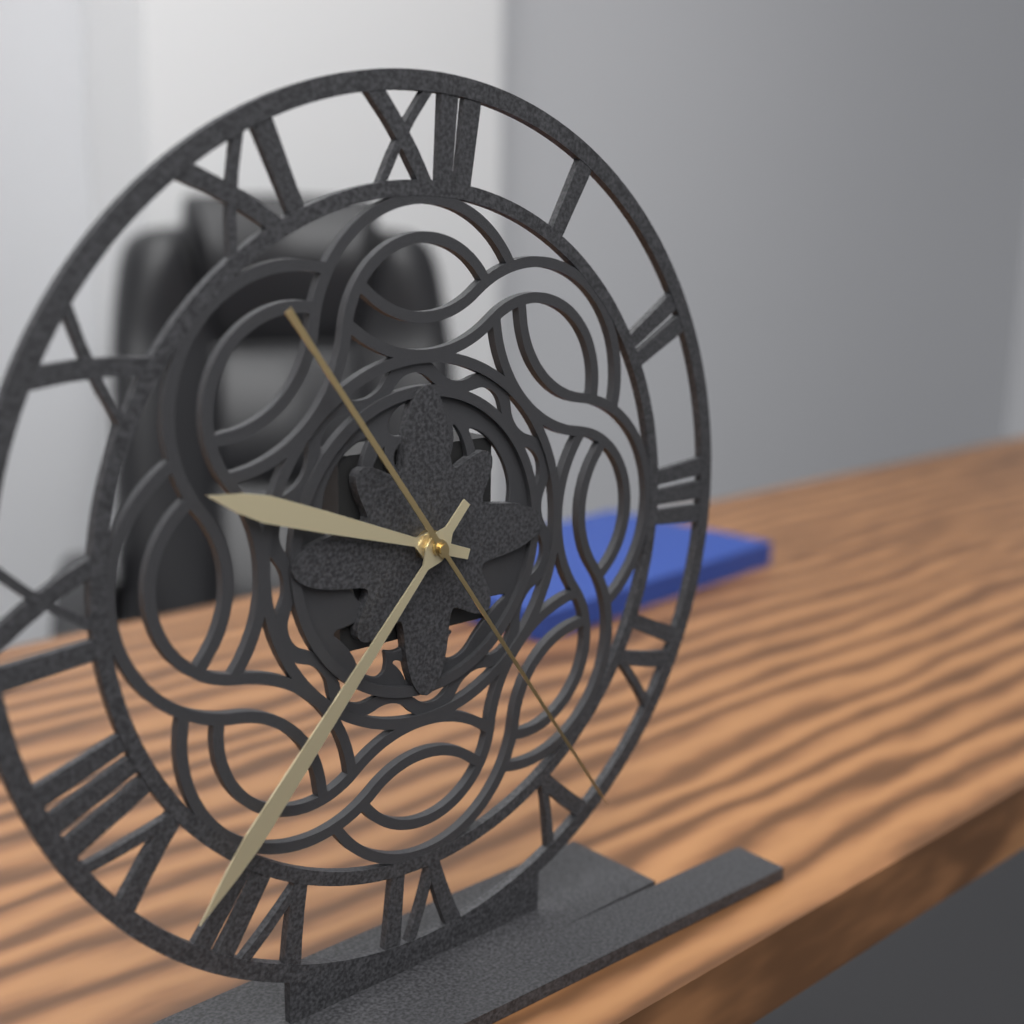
9:37:24
